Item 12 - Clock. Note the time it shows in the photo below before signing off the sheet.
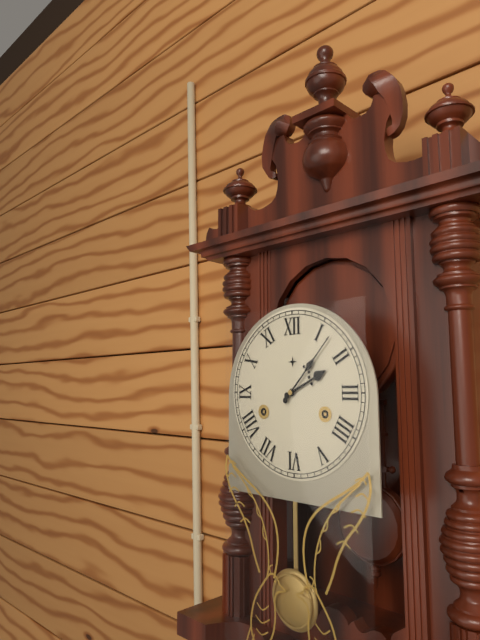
2:07
